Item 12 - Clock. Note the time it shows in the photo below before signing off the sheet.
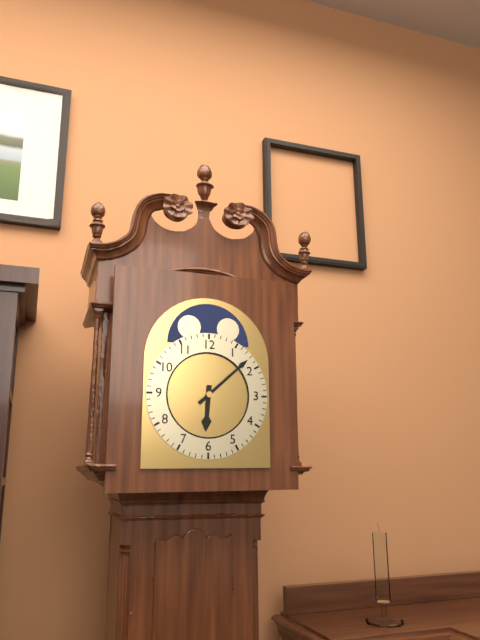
6:08
